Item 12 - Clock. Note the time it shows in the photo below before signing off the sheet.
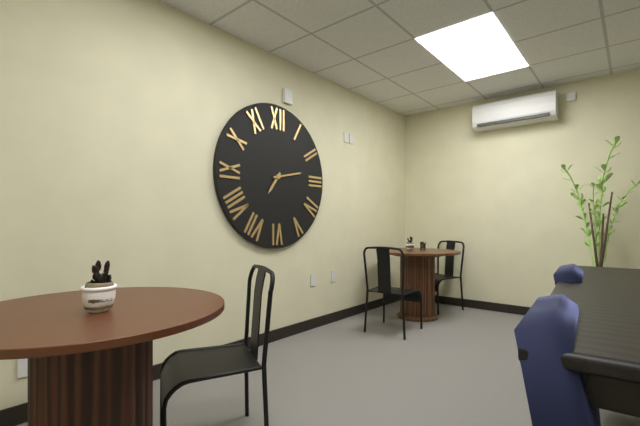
7:13
